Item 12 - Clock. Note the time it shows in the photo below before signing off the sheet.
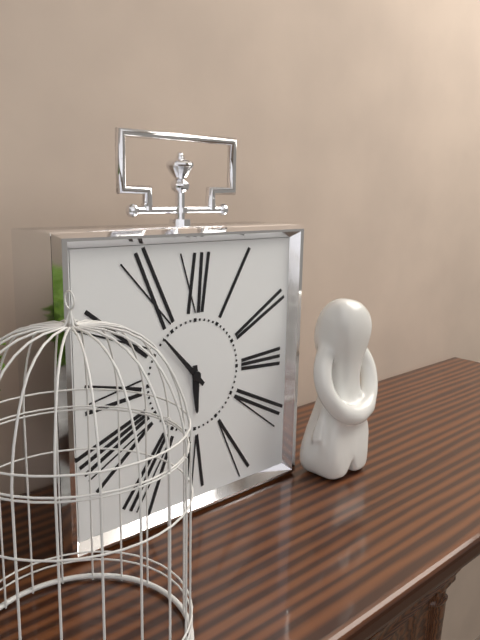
5:53
